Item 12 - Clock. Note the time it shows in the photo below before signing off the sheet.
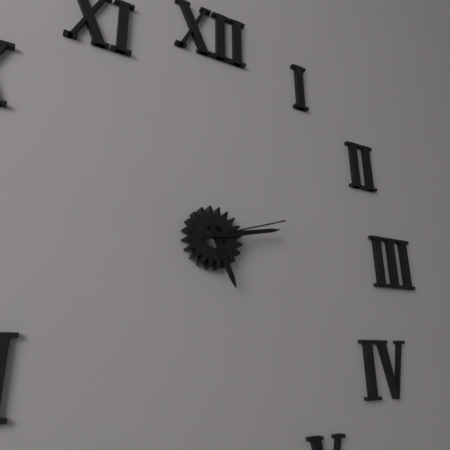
5:13:12
